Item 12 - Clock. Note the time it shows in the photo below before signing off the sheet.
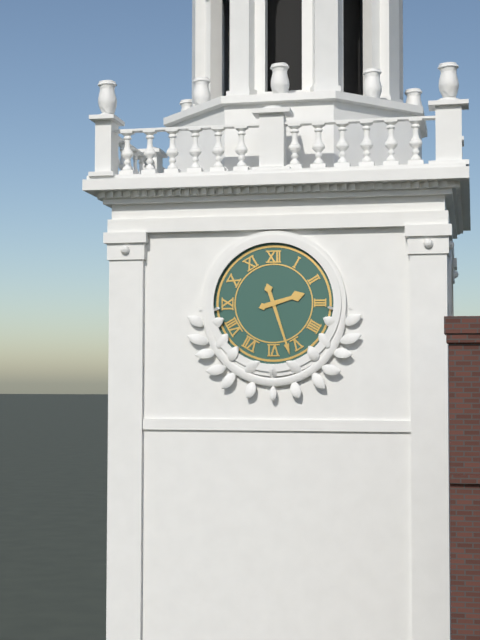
2:27
